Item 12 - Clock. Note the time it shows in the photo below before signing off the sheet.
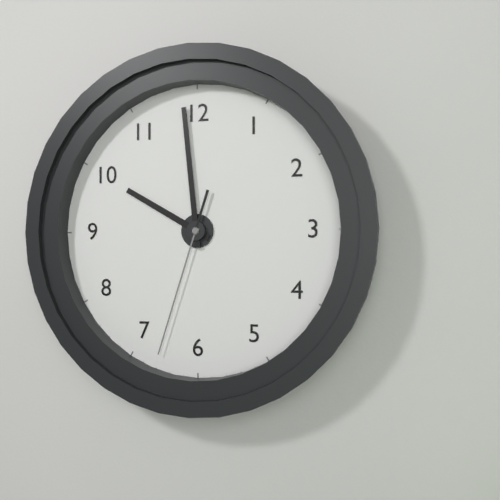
9:59:33
